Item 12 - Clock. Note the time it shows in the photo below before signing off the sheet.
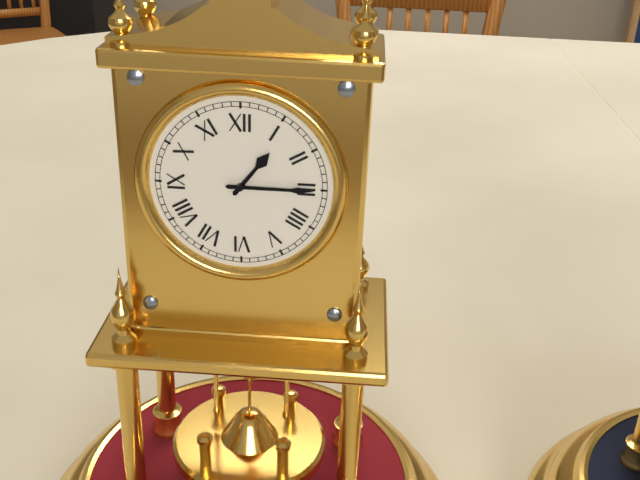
1:15
